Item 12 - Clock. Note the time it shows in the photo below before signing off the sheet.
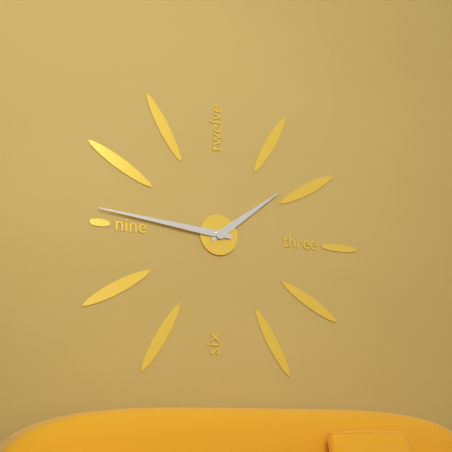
1:46
